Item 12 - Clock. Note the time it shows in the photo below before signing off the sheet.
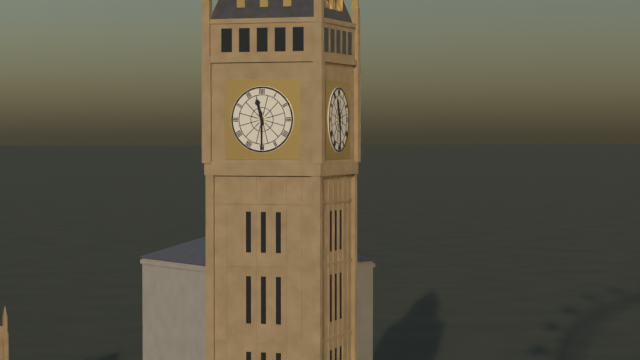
11:30
